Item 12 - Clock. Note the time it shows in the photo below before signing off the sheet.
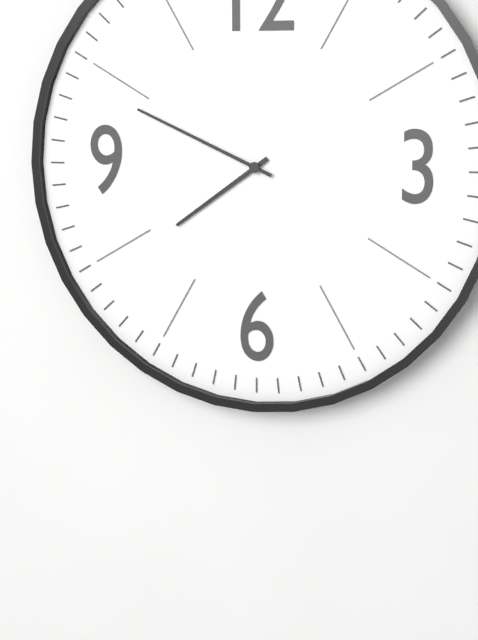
7:49
